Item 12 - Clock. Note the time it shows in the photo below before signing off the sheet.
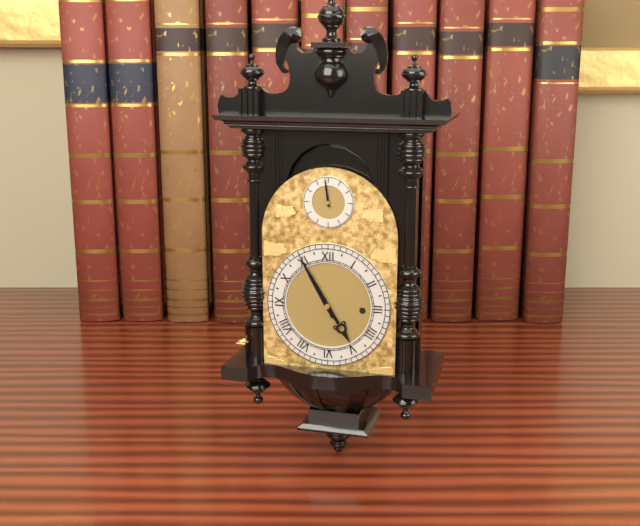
4:55
